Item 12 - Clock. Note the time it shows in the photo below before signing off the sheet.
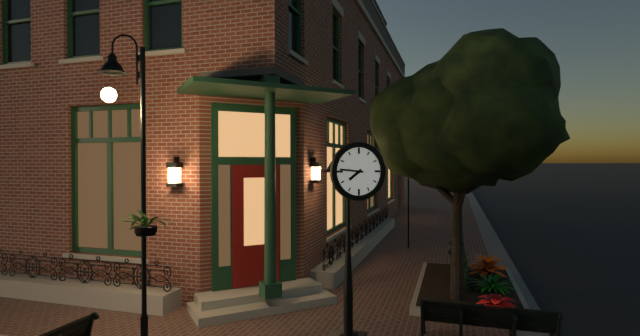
7:46
